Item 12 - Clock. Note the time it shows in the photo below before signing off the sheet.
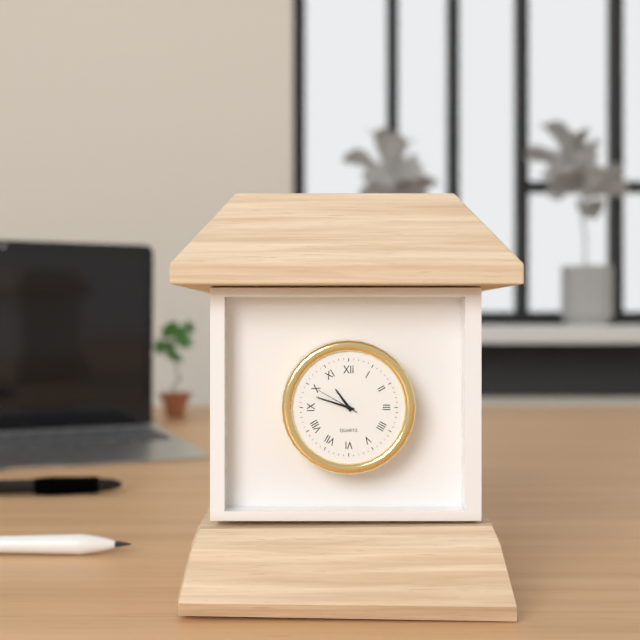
10:48
